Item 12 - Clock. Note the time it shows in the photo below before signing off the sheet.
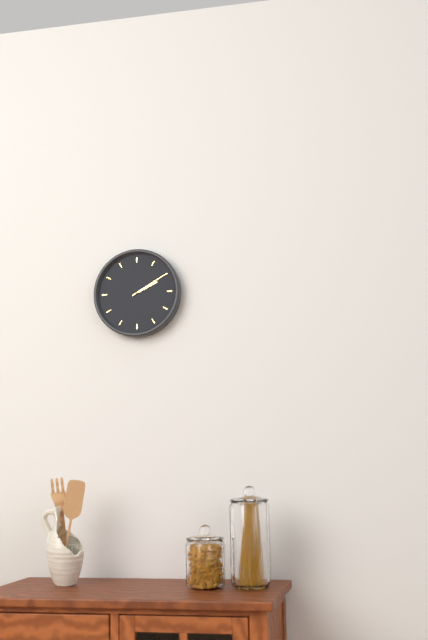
2:10
